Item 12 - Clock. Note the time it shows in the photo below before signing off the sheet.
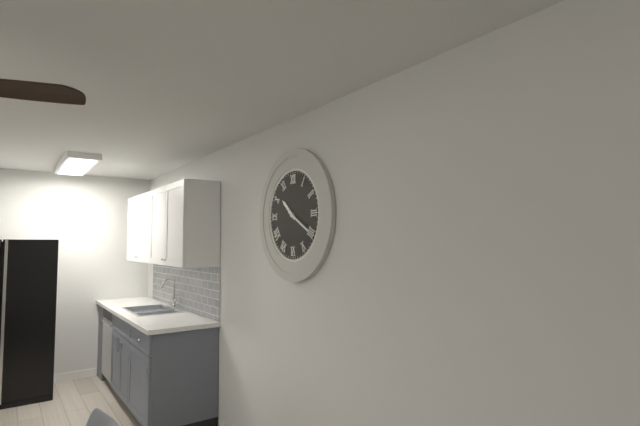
10:20
